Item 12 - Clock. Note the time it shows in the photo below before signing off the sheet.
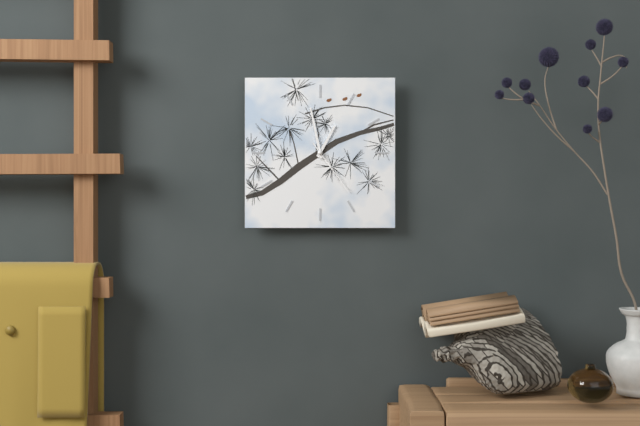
12:58:24
